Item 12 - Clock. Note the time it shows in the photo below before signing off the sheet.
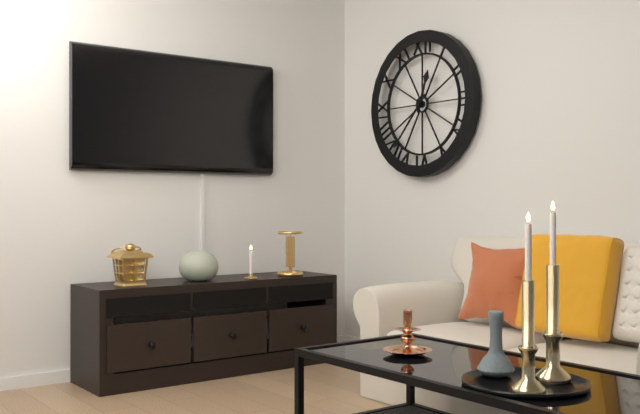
12:37
